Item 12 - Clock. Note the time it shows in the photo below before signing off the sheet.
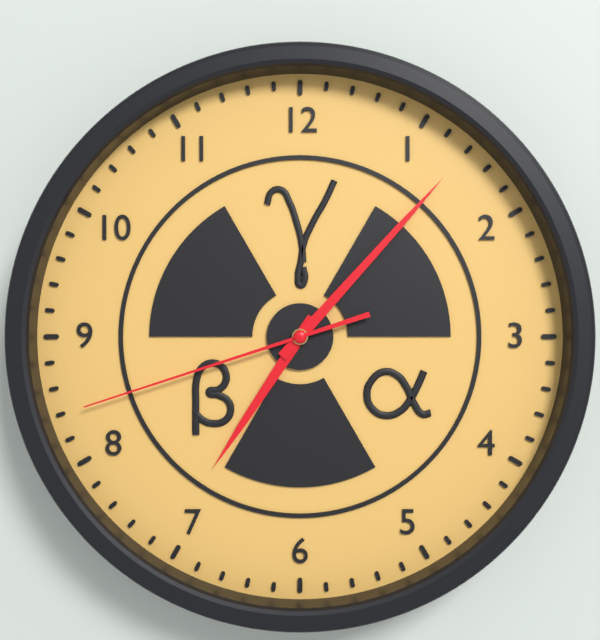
7:07:42
